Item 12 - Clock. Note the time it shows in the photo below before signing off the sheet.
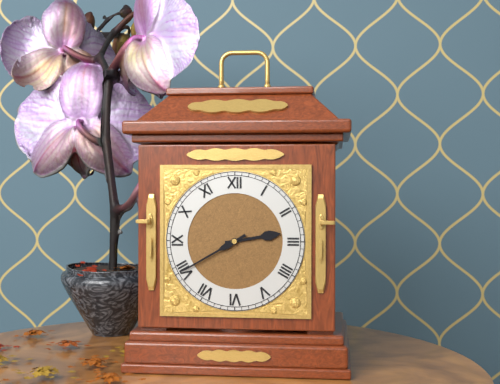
2:40
